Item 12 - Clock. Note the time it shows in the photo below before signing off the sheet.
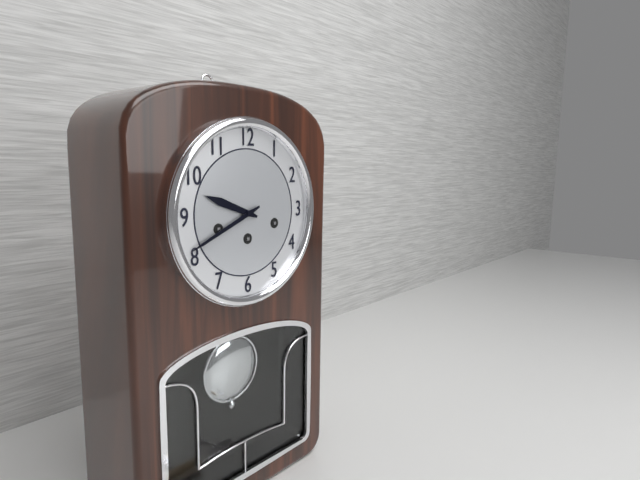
9:41
